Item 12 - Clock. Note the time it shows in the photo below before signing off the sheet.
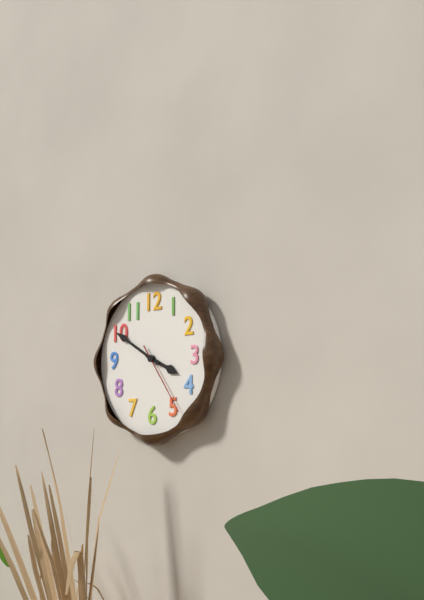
3:50:24
